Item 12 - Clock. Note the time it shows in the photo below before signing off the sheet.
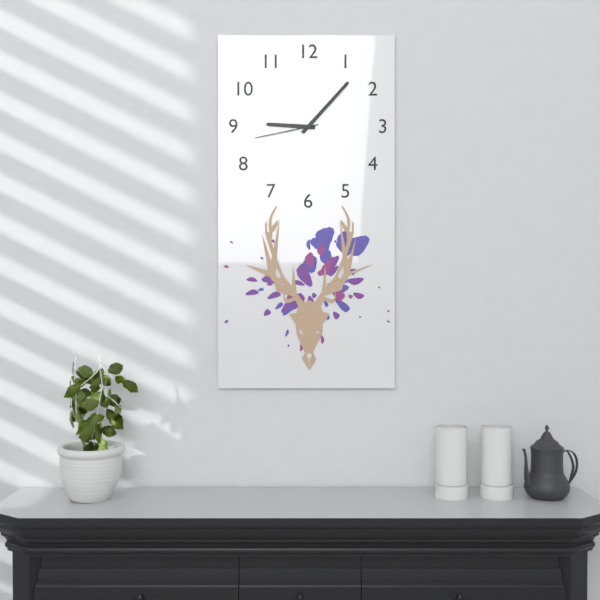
9:07:43
